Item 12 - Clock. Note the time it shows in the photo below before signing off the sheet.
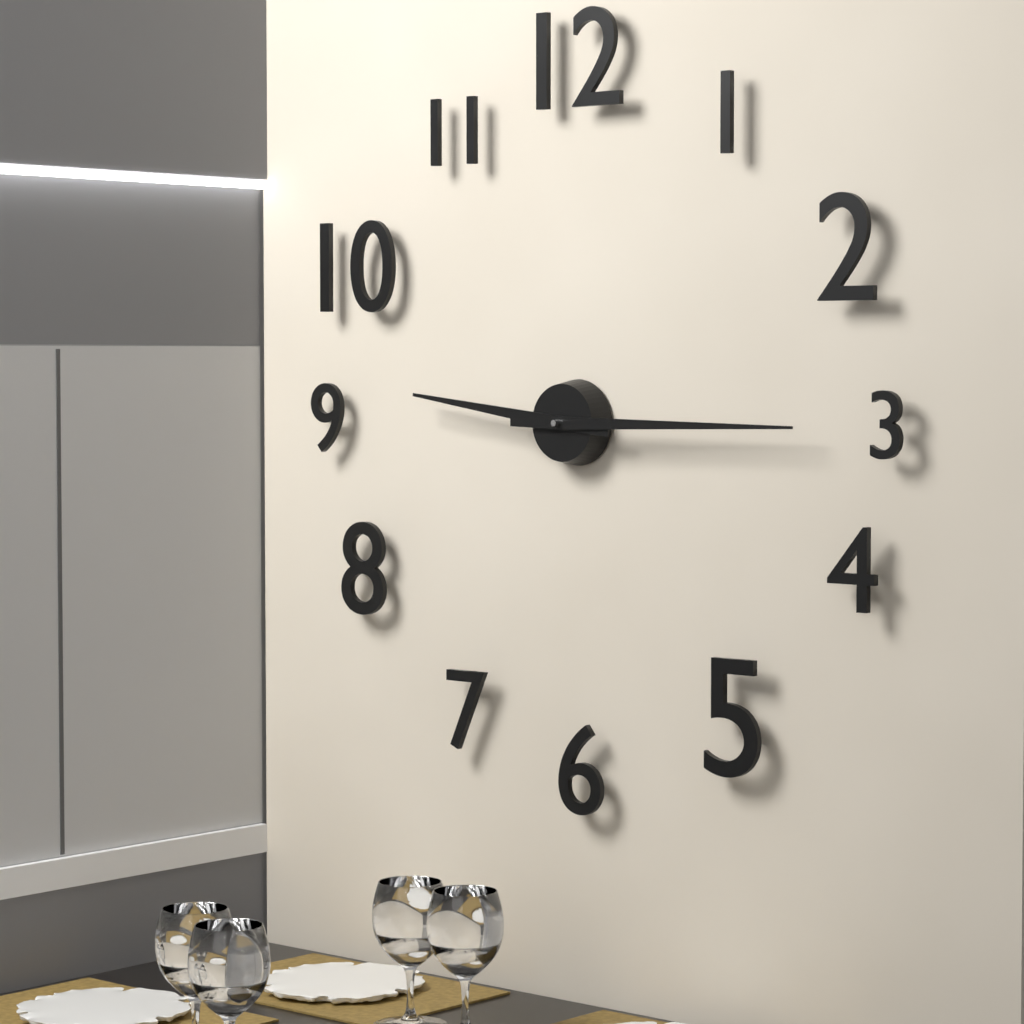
9:15
